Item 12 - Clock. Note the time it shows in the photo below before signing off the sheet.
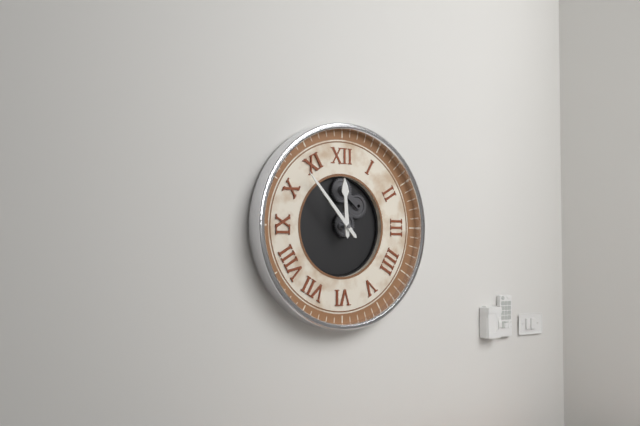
11:53
